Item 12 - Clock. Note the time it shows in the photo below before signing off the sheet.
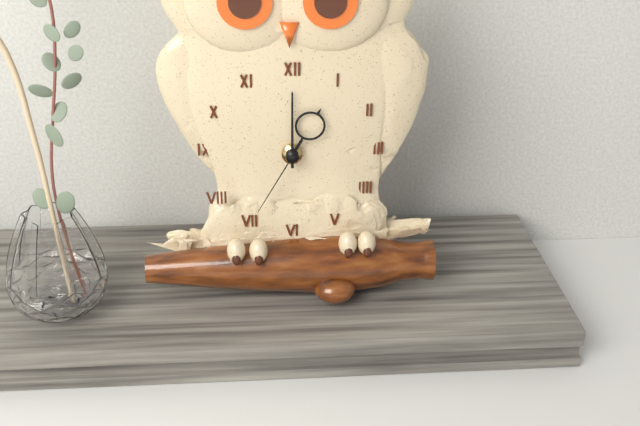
1:00:35
